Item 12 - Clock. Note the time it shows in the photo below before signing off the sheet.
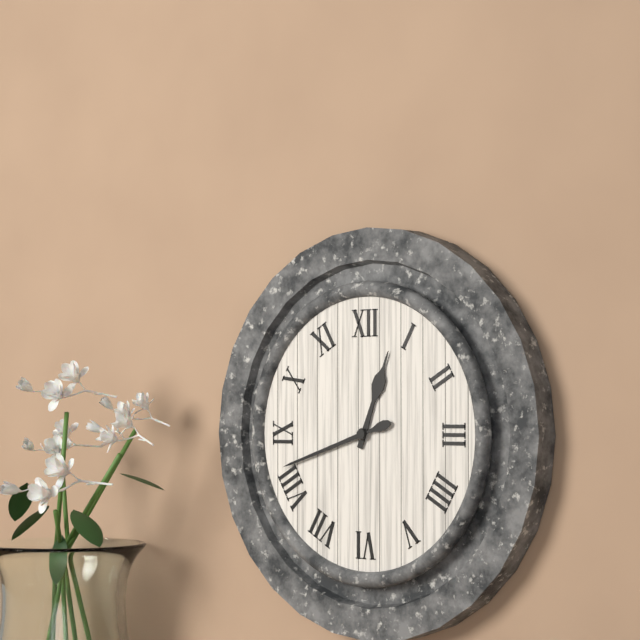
12:42
